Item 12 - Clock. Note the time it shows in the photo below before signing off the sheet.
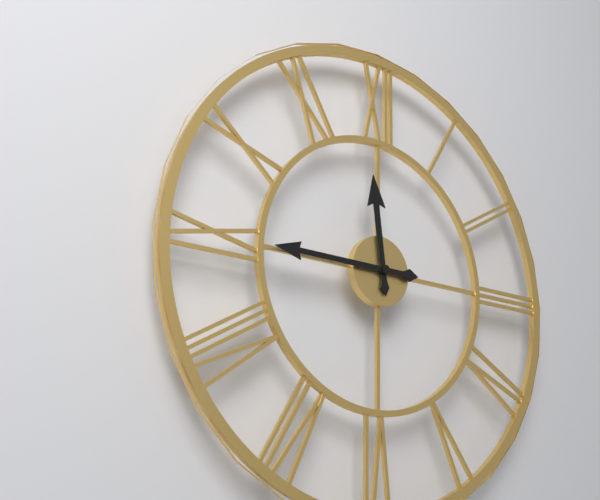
11:45
